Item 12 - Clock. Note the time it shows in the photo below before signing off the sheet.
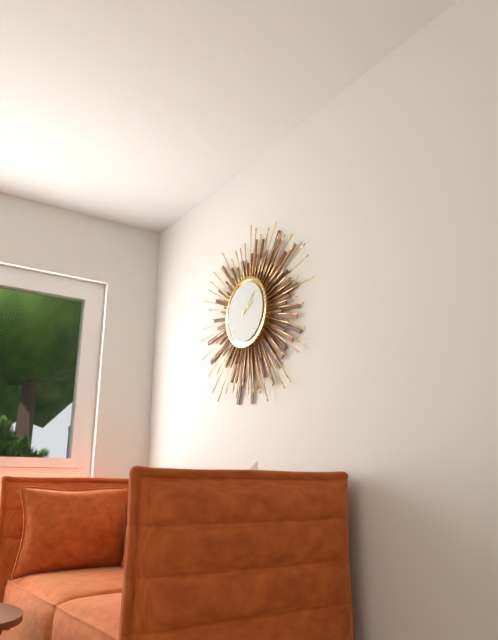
2:08
